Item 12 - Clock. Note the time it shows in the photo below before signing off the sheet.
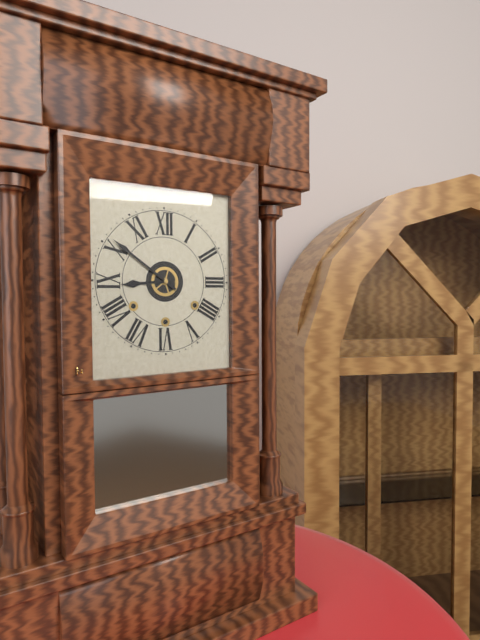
8:51
